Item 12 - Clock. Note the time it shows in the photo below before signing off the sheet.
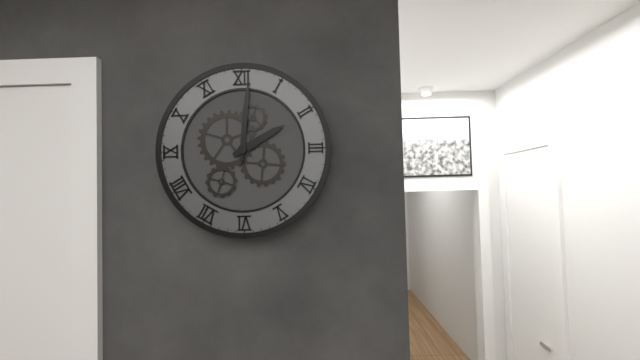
2:01
